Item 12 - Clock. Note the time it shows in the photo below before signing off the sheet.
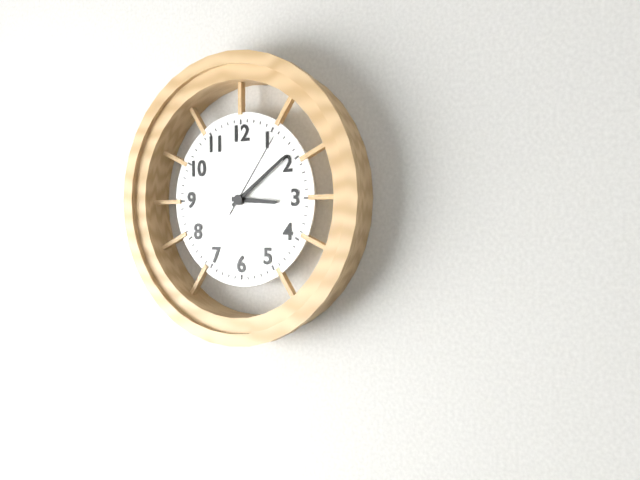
3:09:06
